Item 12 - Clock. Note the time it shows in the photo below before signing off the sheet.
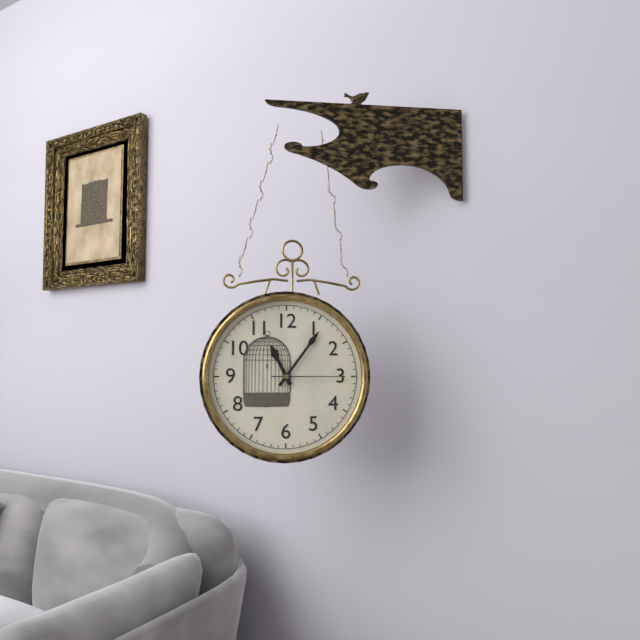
11:06:15
